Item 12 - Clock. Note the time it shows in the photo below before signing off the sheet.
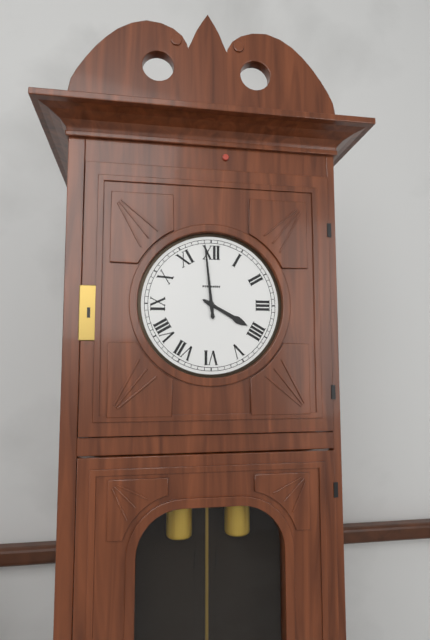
3:59
